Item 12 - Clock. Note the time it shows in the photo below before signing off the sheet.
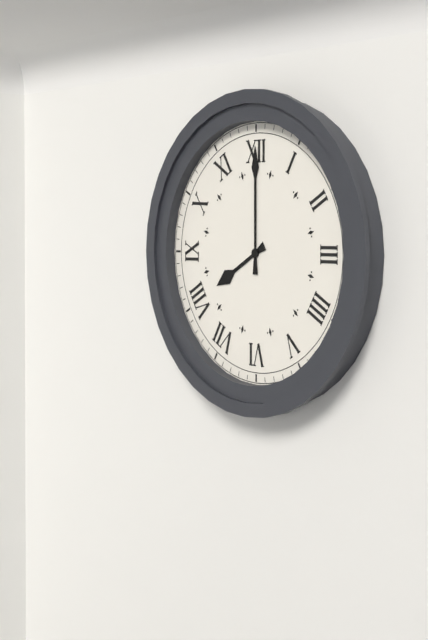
8:00
